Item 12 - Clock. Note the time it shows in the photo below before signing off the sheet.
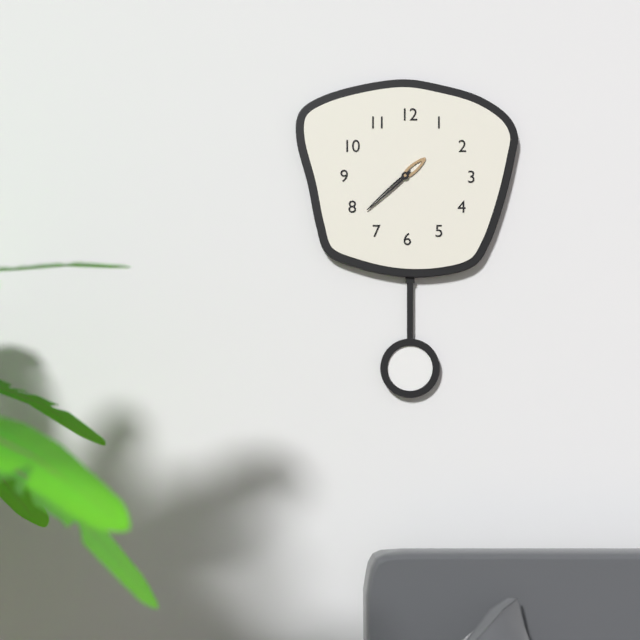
1:38
